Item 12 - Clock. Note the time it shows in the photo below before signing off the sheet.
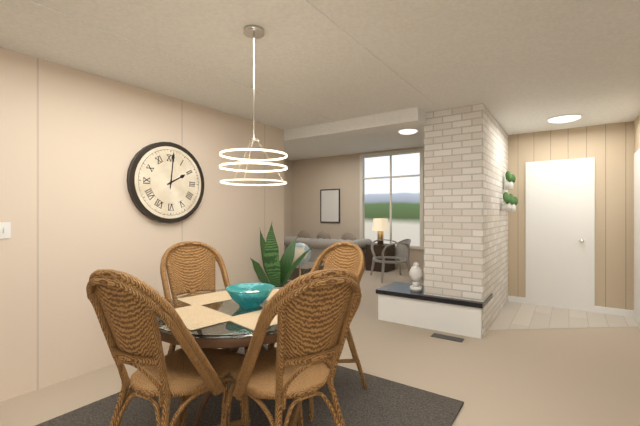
2:01
